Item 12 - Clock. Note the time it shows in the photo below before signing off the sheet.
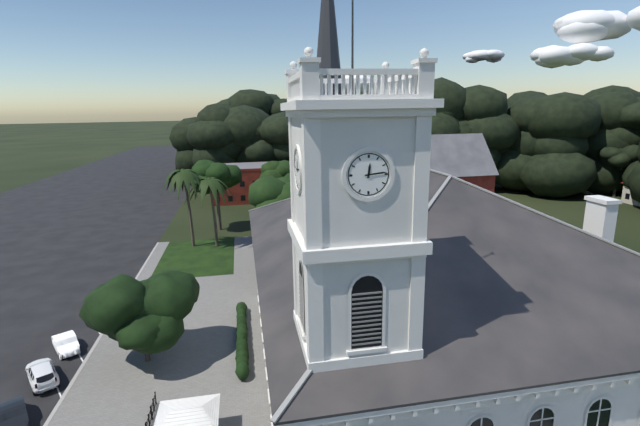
12:14
